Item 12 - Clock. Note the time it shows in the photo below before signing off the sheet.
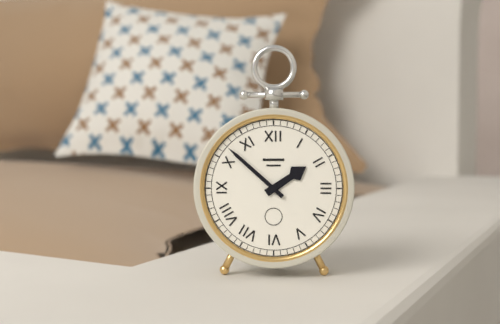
1:52
